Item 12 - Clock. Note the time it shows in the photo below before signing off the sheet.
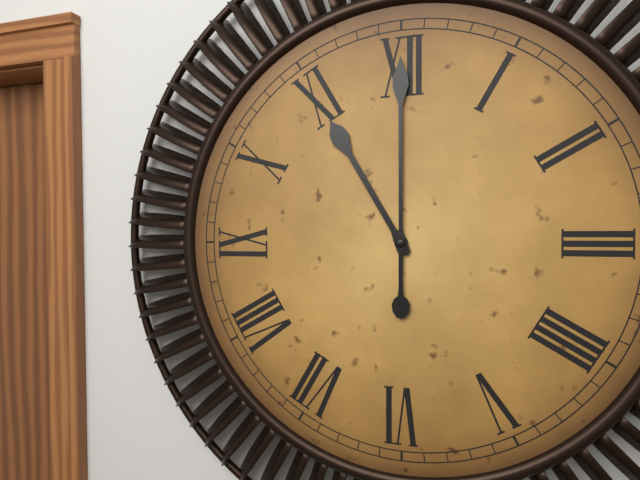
11:00
